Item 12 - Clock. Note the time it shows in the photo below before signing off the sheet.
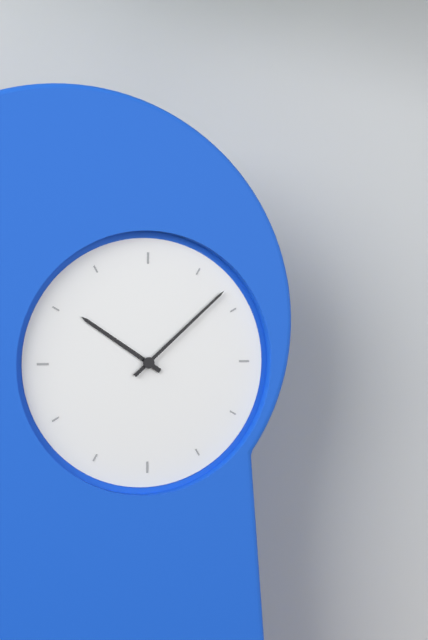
10:08
